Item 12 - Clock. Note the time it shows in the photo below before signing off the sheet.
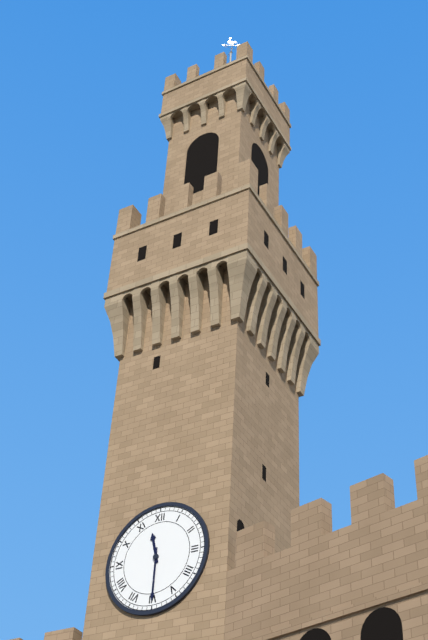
11:30
